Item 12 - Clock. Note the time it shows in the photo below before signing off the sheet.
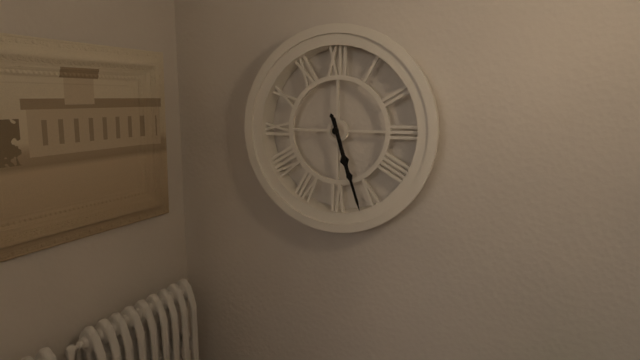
5:27
